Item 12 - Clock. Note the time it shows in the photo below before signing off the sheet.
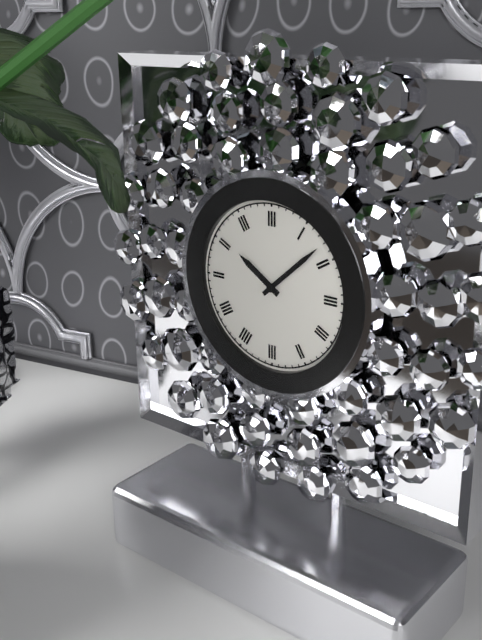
10:08
